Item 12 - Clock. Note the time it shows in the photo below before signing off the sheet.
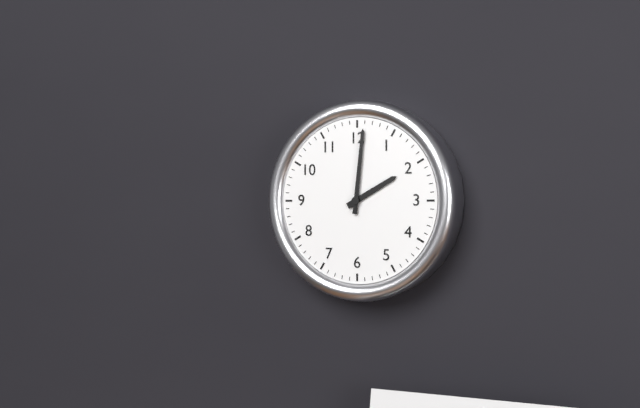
2:01
